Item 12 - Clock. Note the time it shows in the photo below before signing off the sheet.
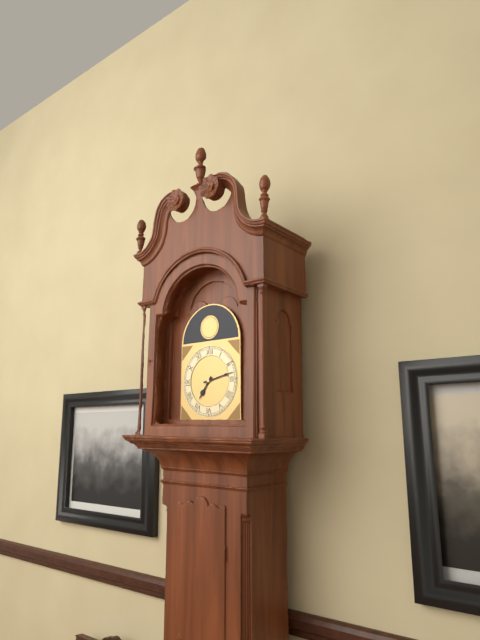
7:13
